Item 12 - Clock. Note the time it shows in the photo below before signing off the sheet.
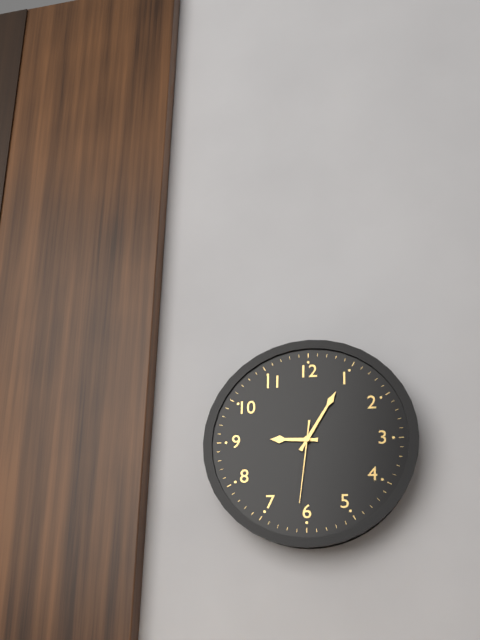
9:05:31
